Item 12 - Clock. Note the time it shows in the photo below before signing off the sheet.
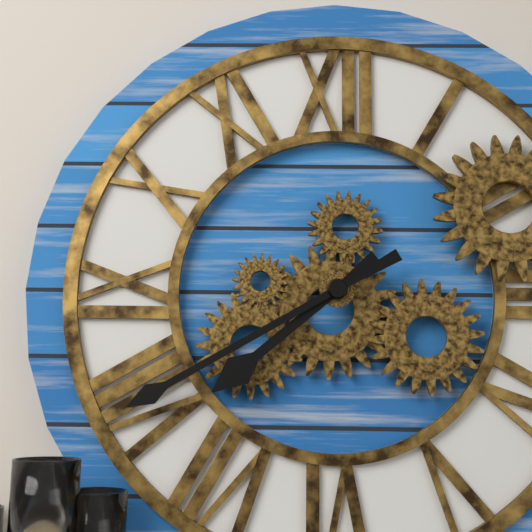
7:40
